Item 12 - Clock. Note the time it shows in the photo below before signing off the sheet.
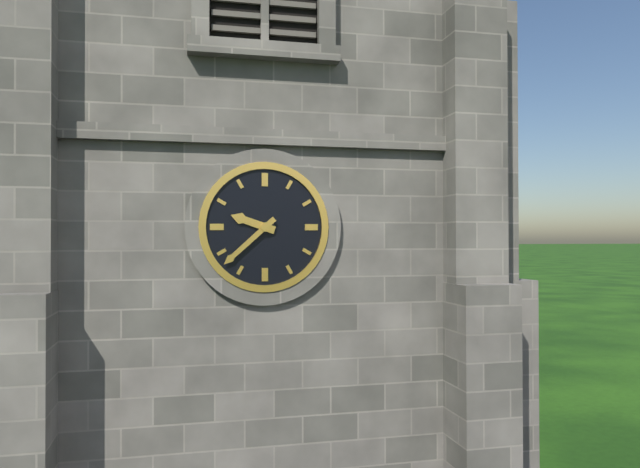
9:38
